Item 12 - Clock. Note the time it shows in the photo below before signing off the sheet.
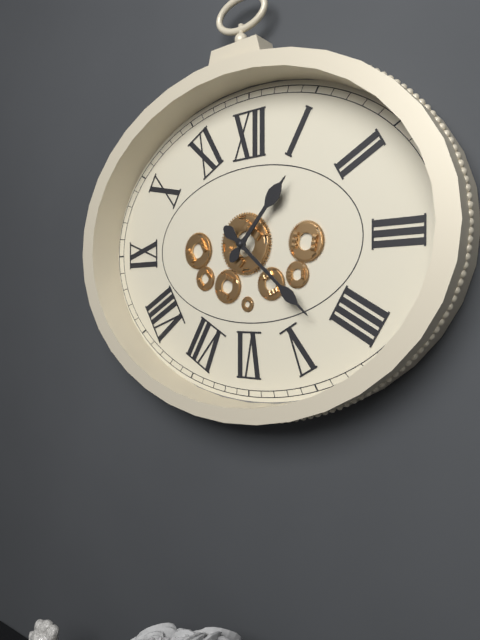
1:22
